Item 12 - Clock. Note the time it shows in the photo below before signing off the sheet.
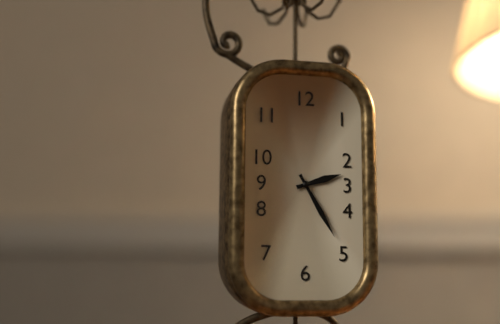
2:25
